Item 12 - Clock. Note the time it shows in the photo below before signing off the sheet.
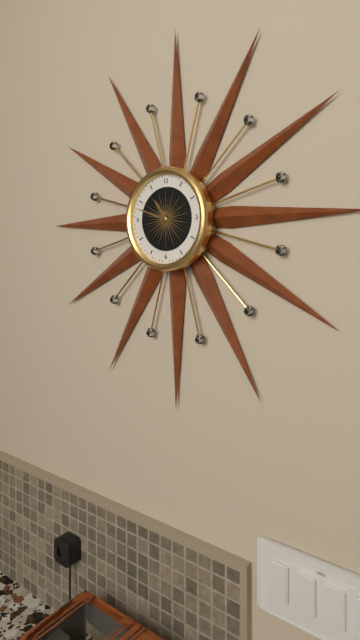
10:48
